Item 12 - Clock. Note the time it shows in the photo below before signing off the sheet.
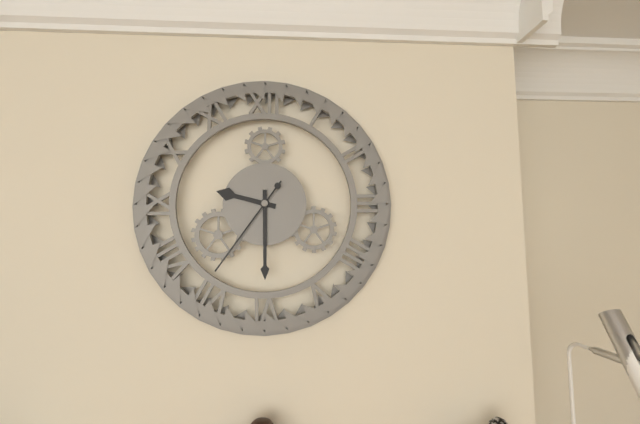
9:30:36
